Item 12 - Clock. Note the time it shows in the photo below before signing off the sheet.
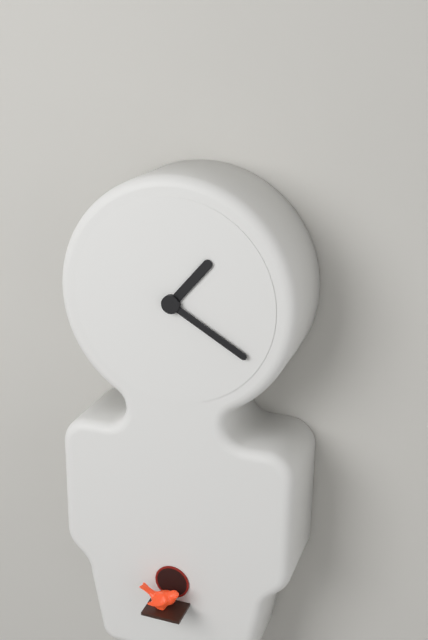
1:20
